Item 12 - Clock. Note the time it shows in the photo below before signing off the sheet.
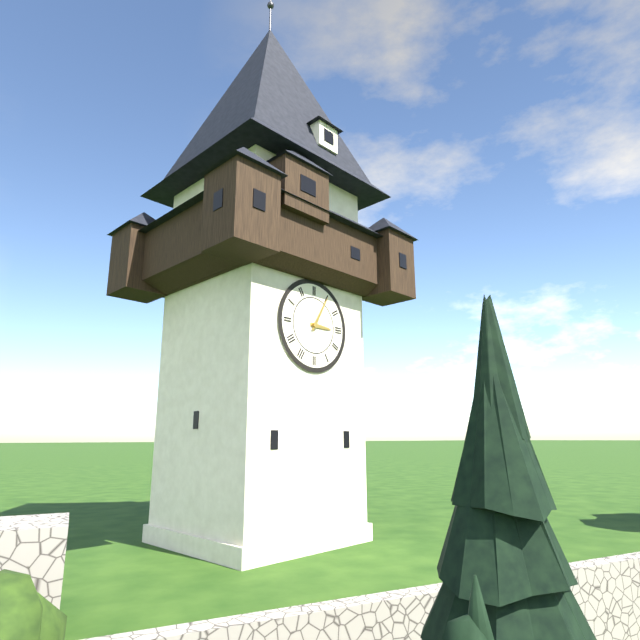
3:05
